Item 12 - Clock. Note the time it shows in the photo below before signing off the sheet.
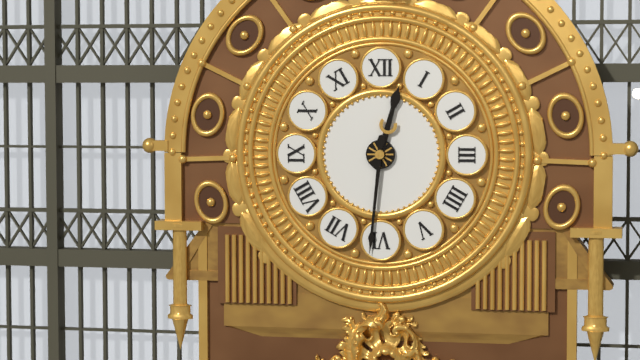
12:31
